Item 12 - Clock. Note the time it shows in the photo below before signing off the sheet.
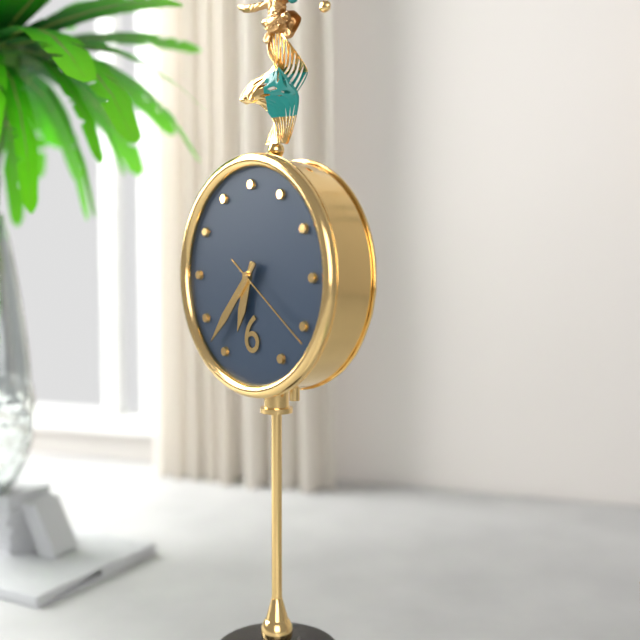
6:37:21
